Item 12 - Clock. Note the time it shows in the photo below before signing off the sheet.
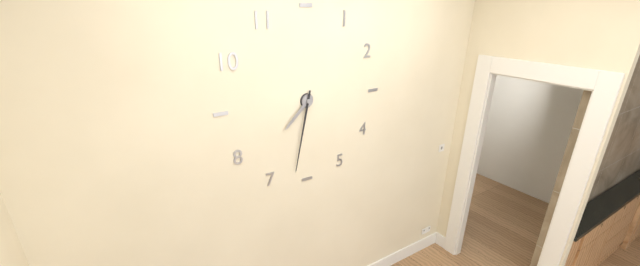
7:32
